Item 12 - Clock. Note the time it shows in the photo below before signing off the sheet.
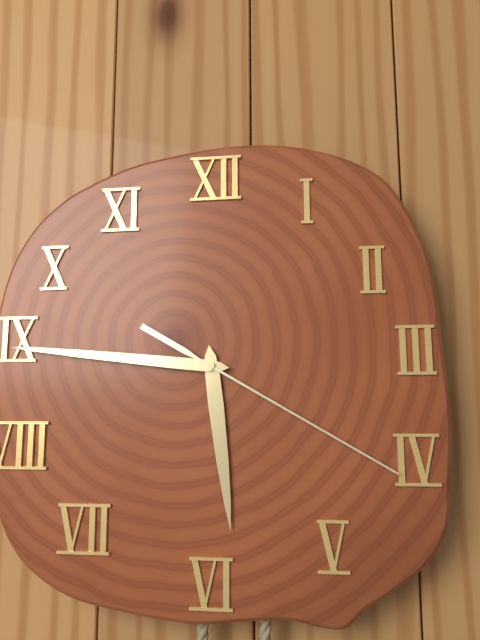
5:46:20
